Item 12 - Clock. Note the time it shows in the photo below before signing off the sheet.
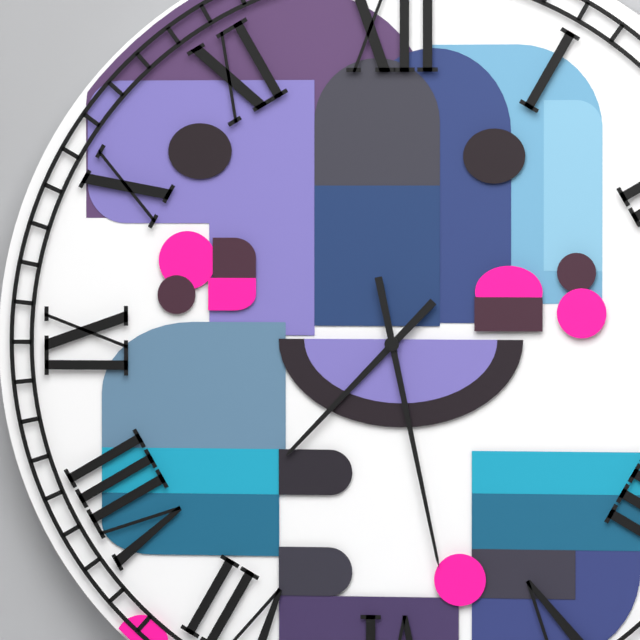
7:28
